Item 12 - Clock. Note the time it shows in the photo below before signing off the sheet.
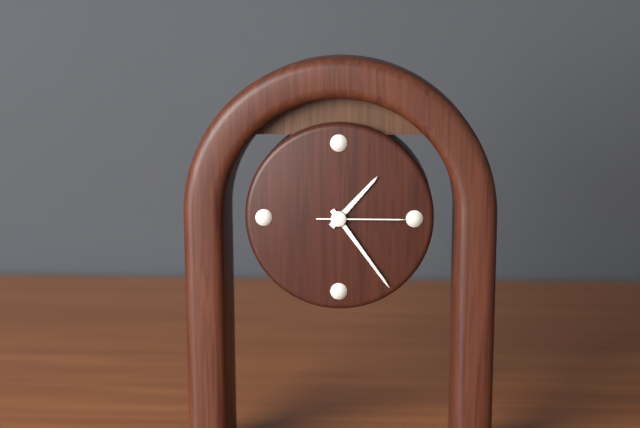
1:24:15
